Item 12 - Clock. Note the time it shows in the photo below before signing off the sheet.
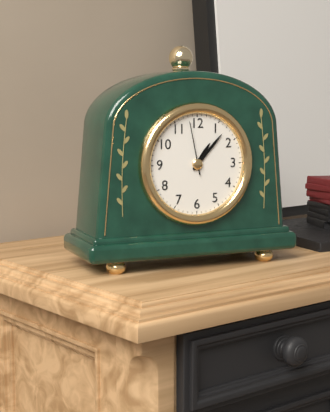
1:07:58
